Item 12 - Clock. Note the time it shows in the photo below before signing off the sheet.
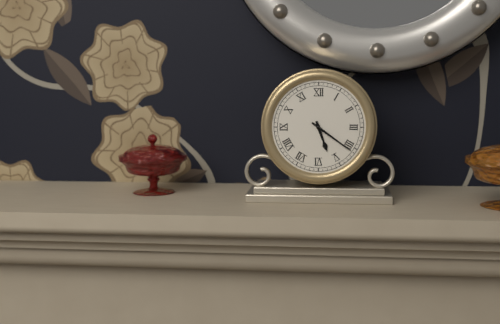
5:21
